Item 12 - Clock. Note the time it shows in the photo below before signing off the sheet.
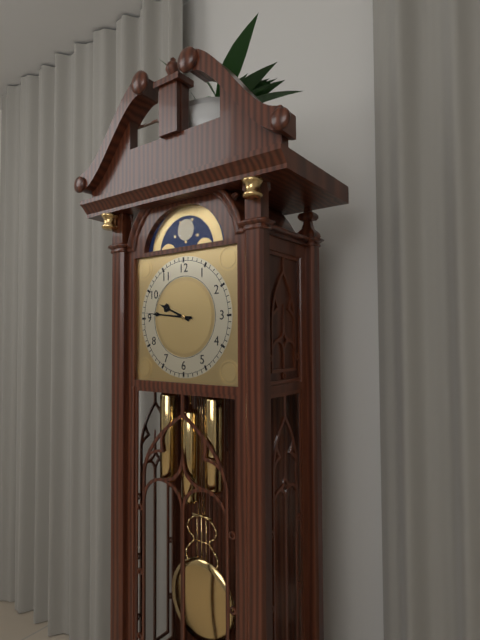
9:46
